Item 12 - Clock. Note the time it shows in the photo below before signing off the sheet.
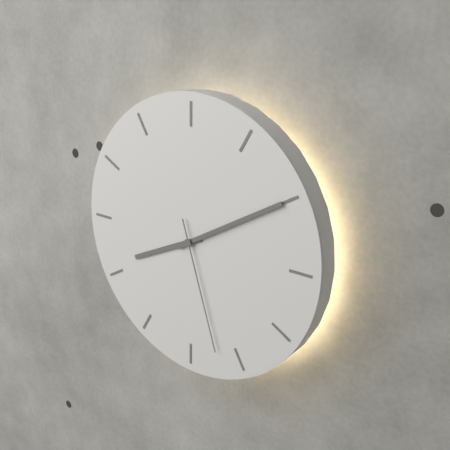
8:10:27
